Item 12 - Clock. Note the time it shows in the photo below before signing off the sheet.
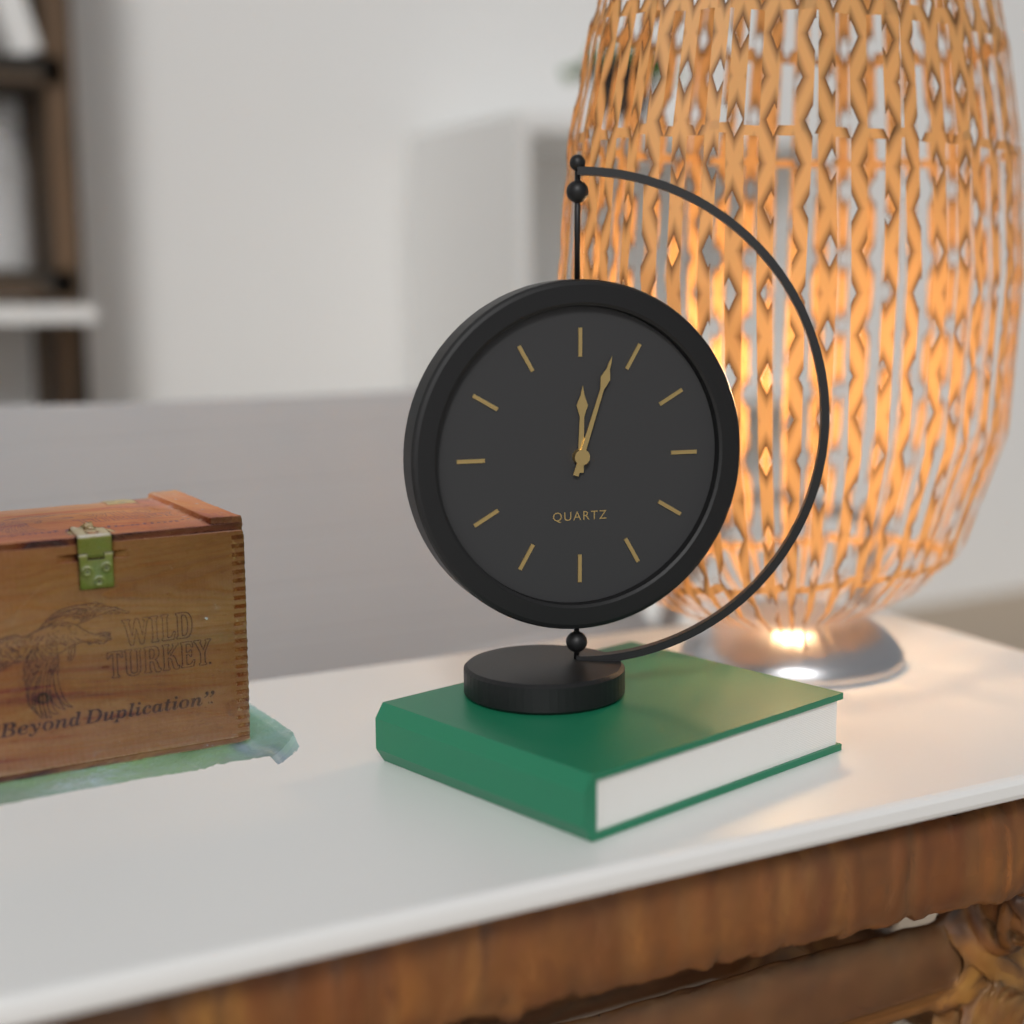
12:03
